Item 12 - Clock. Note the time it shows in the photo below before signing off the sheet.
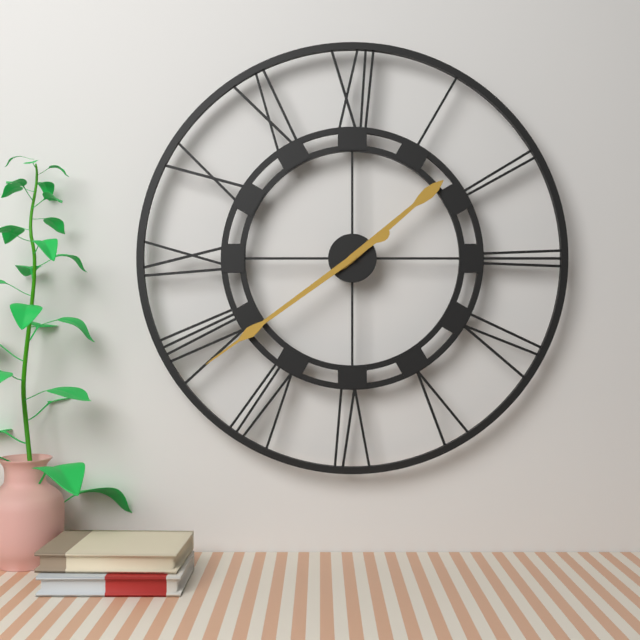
1:39
